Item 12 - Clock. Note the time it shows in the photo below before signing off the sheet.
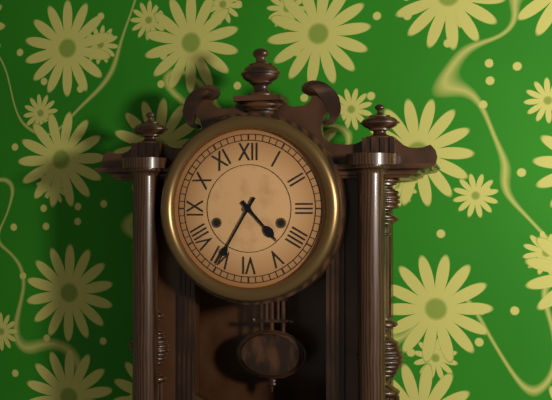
4:35
